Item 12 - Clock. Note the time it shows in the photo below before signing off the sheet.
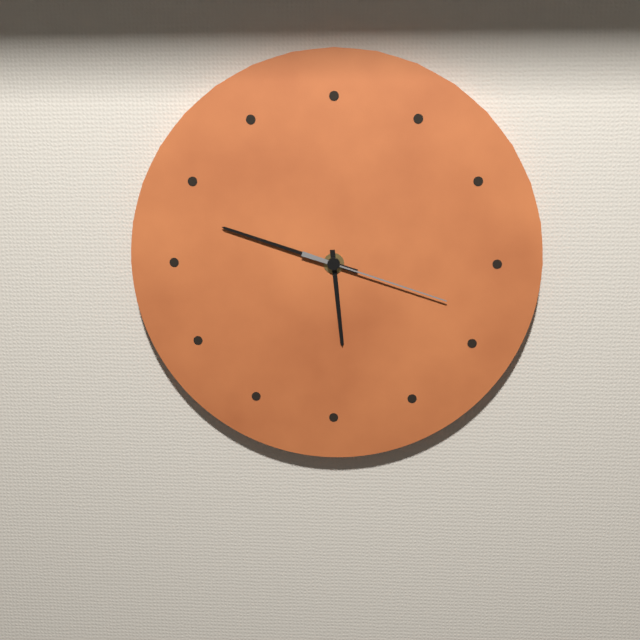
5:48:18
